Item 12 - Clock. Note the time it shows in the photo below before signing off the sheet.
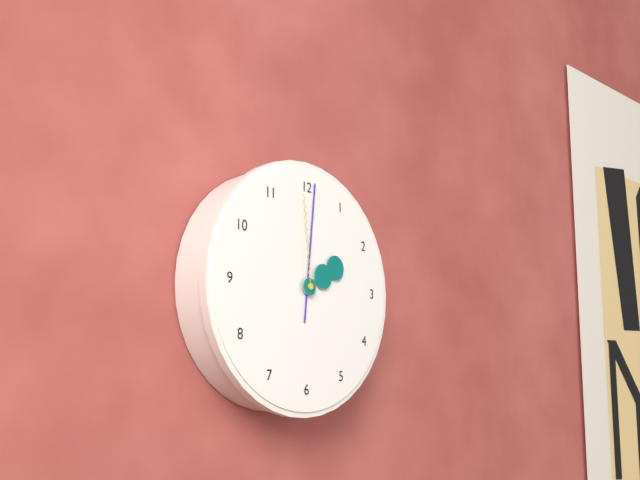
2:01:59
